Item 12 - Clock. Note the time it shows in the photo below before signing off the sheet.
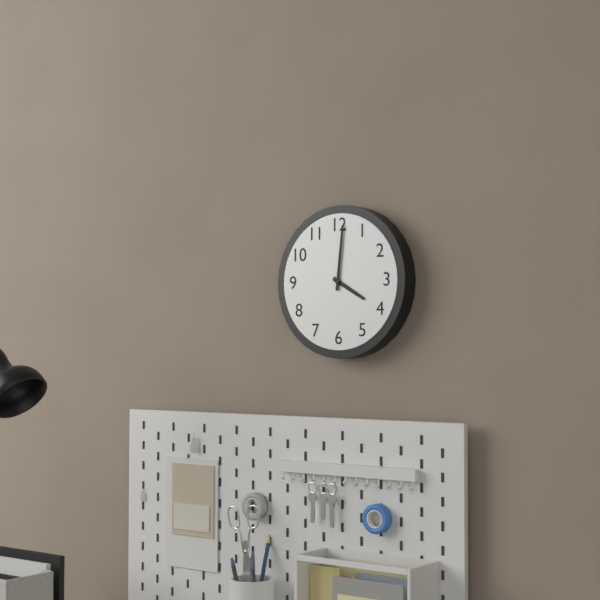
4:01
